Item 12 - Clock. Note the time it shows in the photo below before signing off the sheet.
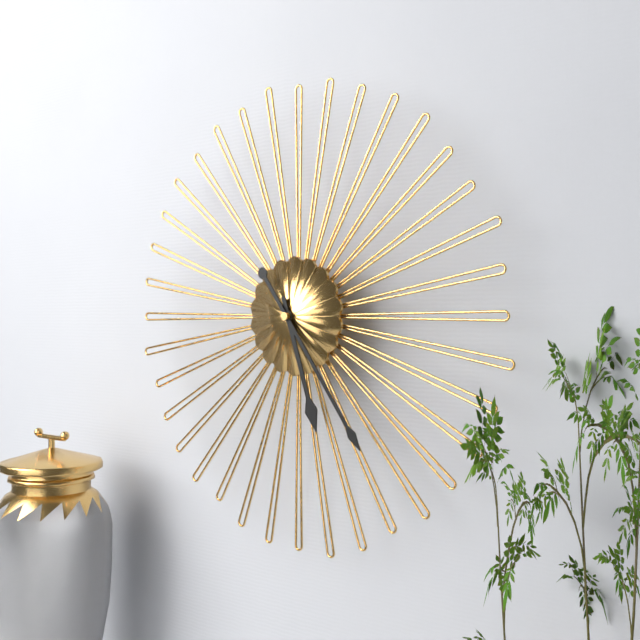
5:24
